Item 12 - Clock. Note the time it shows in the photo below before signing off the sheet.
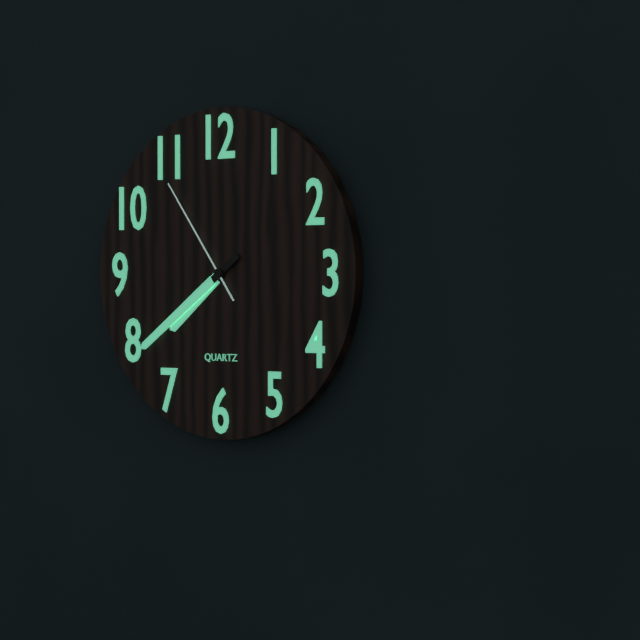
7:39:54
